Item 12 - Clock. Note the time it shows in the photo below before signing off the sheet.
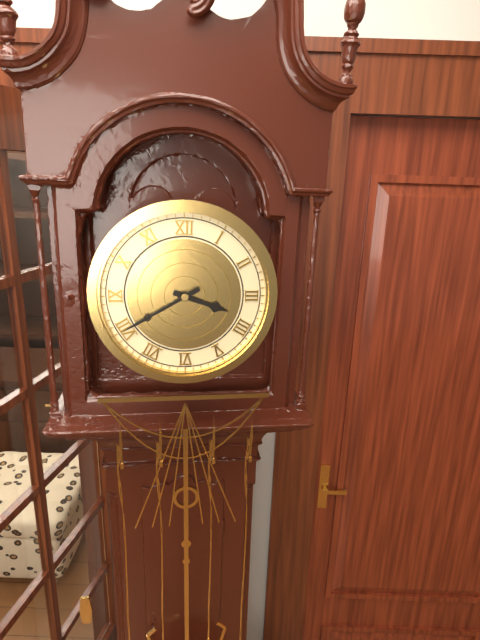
3:40
